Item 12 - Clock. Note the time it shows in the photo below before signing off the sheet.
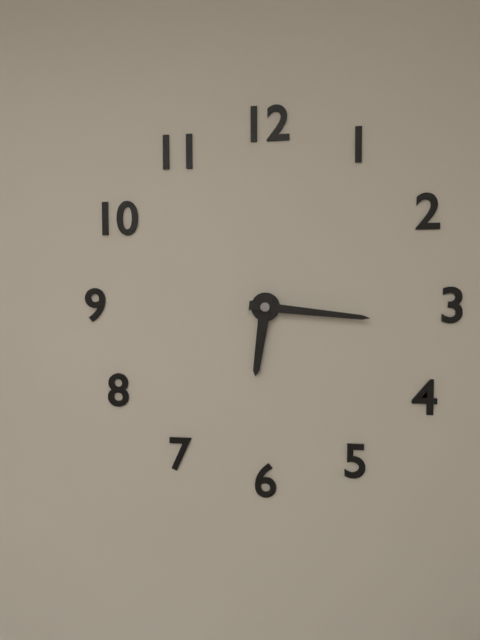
6:16
